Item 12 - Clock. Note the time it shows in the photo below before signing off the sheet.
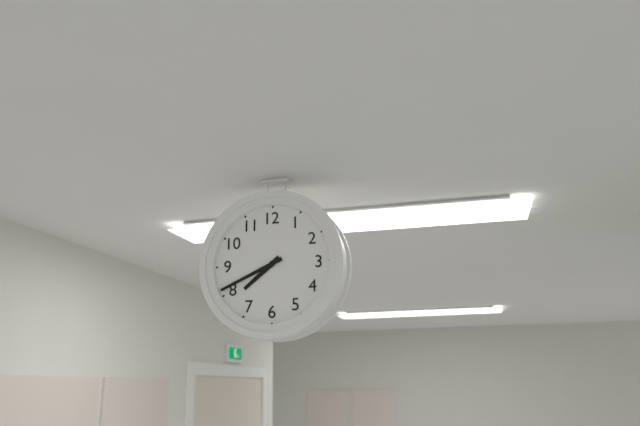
7:41
